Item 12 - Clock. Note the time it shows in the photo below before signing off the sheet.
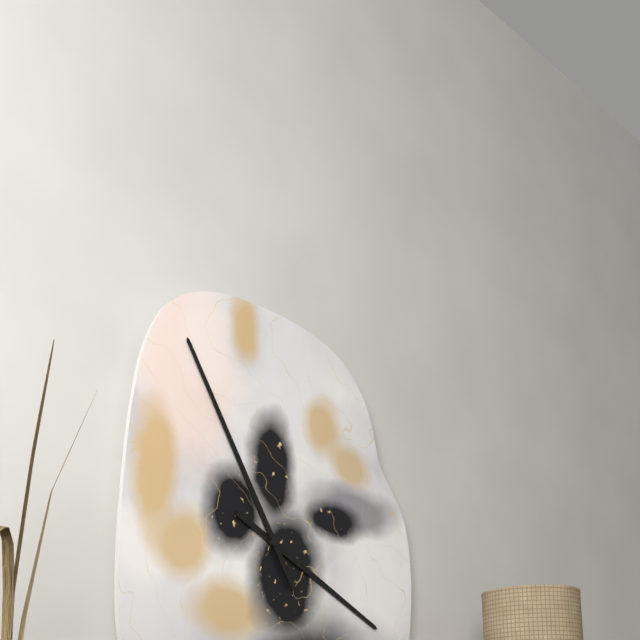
3:55
